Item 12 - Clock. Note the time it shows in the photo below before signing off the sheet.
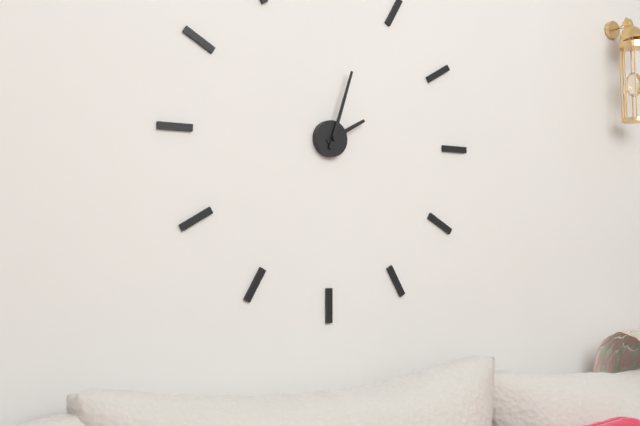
2:03
